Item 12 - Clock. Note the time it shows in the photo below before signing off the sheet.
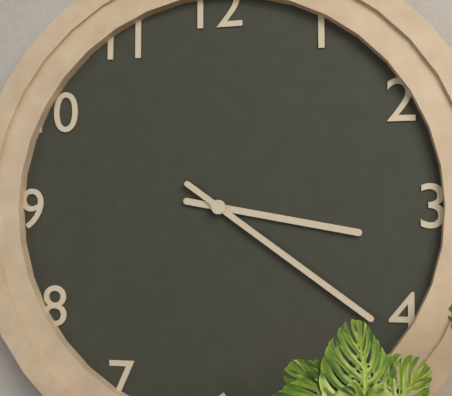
3:21
